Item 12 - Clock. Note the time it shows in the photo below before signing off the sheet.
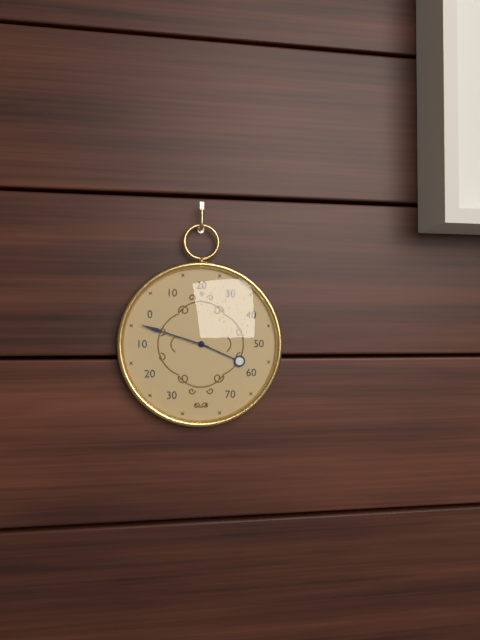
3:48
